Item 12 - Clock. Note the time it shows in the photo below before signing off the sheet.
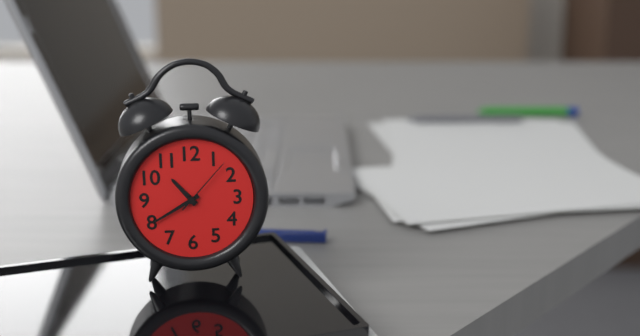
10:40:07
